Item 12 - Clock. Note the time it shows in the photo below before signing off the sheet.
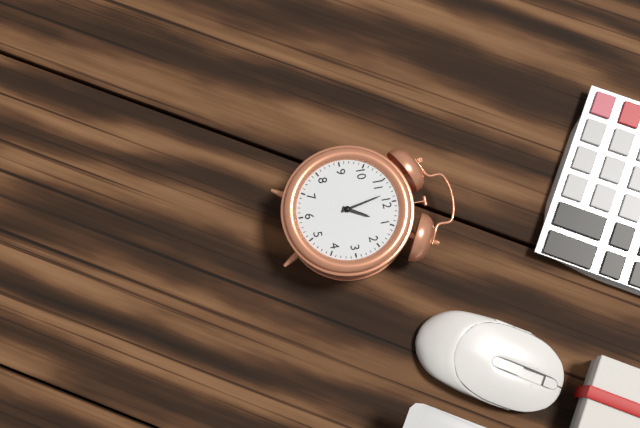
12:58
